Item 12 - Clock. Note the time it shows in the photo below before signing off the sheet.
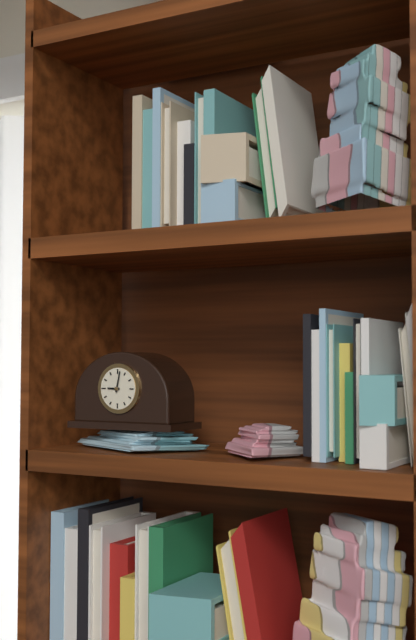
9:02
